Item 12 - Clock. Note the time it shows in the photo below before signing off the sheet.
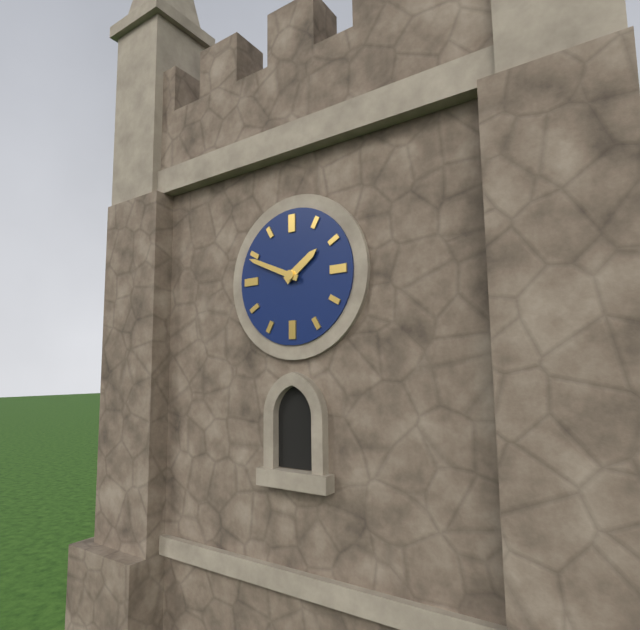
1:49
